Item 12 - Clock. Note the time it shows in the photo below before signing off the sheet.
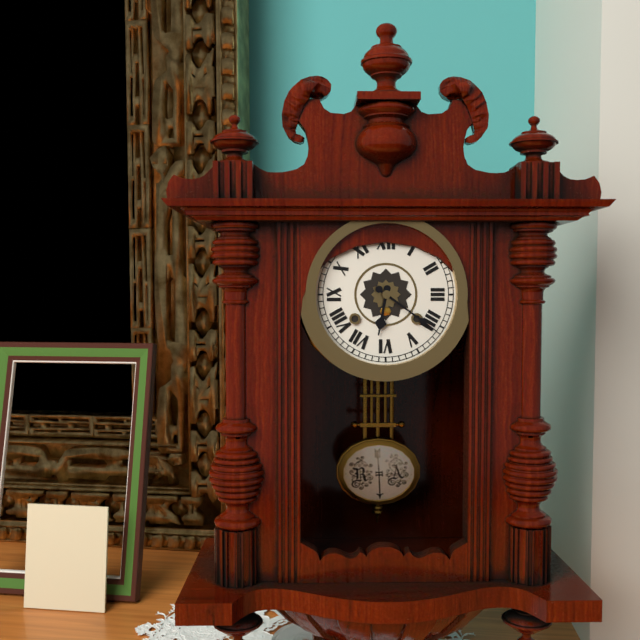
6:21
